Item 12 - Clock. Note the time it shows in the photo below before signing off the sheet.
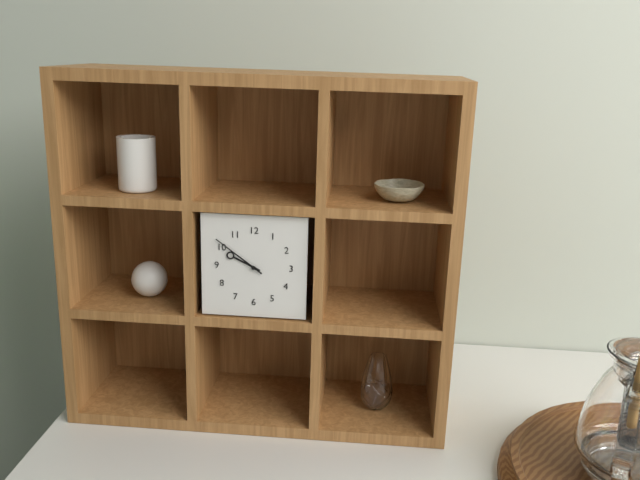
9:51
